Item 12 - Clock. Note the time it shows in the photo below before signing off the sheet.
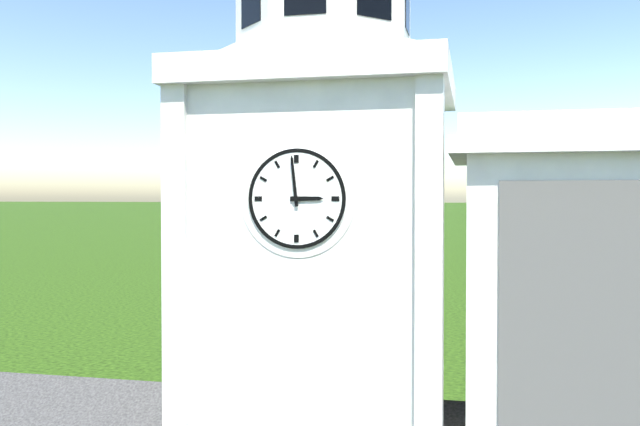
2:59
